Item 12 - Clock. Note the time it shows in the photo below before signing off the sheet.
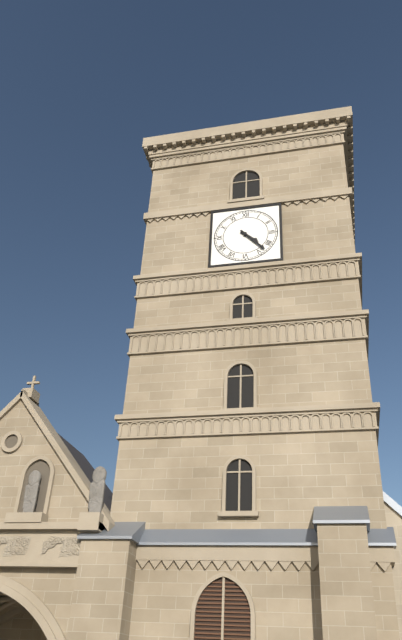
4:23
